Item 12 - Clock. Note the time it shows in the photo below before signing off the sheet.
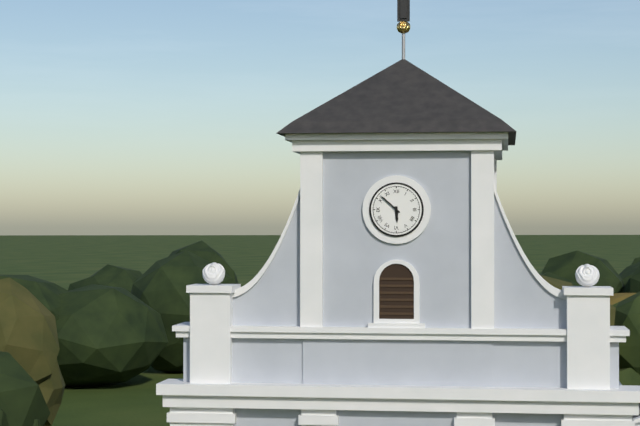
5:52
